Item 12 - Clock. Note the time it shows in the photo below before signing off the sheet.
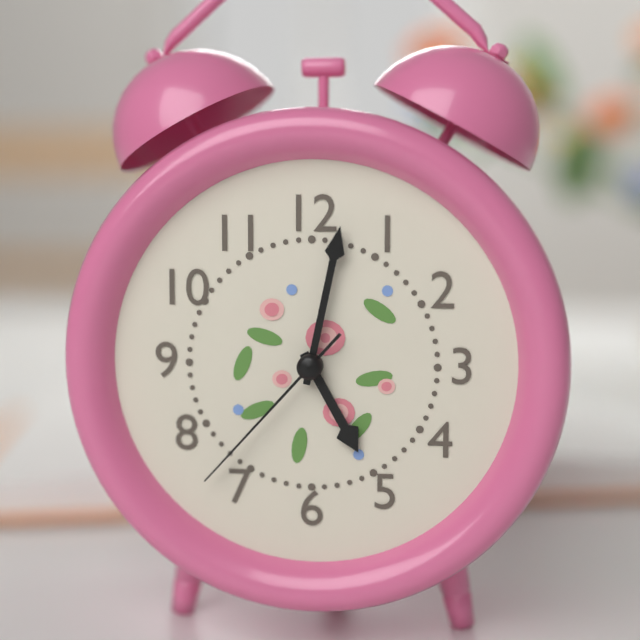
5:02:37
